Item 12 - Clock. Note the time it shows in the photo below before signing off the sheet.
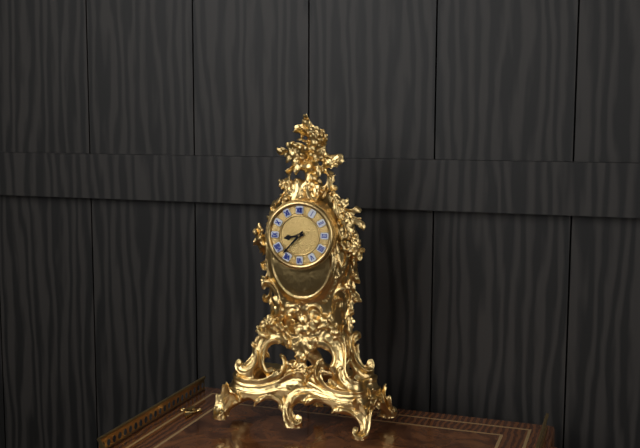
8:37
